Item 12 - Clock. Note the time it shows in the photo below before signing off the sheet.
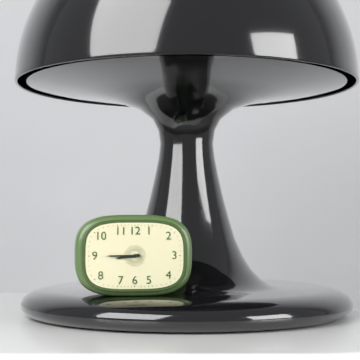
8:45
